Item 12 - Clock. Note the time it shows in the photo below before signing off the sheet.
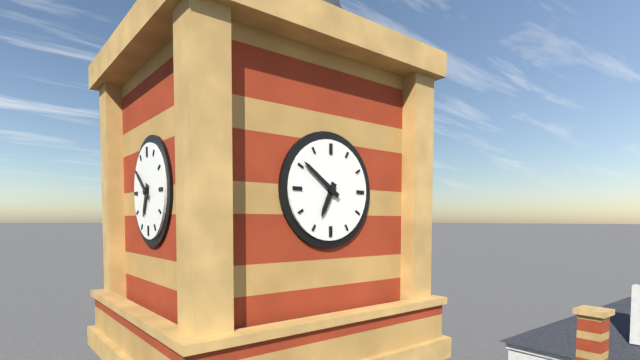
6:51
